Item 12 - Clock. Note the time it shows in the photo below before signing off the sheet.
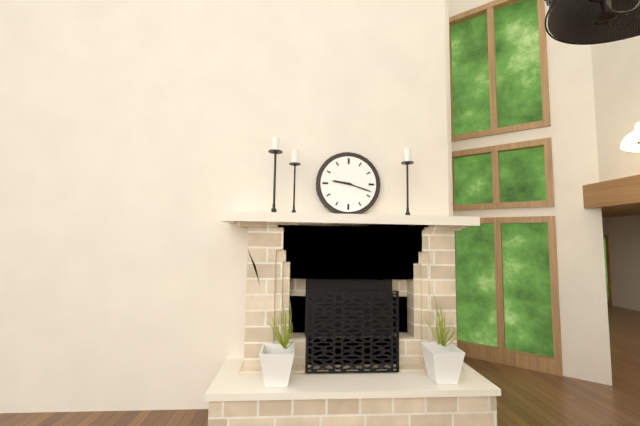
9:18
